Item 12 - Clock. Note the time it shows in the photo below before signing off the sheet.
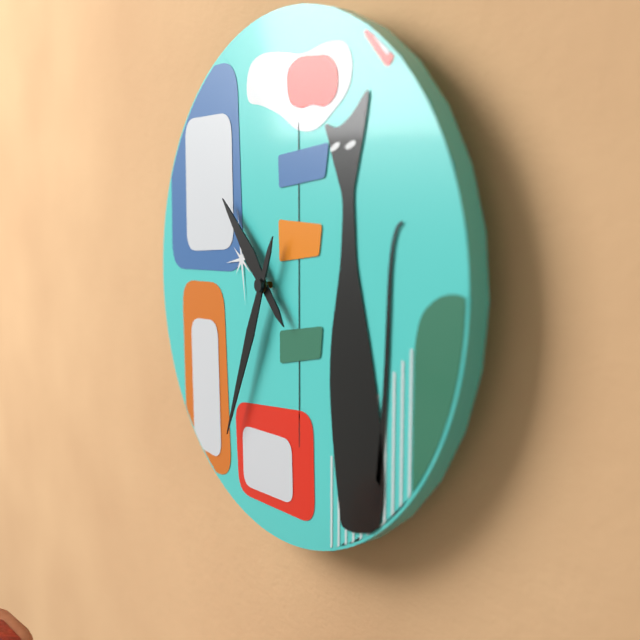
10:34
